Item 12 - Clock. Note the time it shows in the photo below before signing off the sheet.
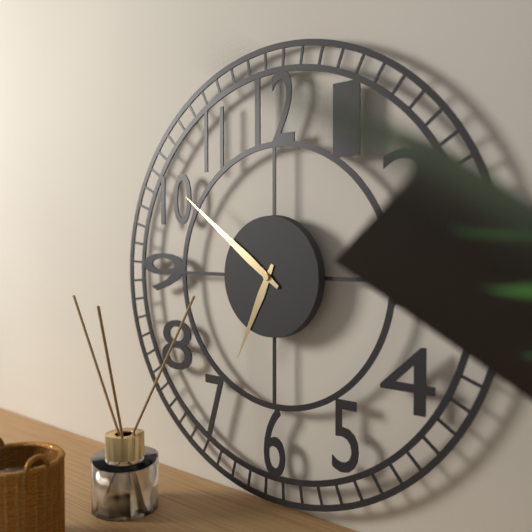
6:51
